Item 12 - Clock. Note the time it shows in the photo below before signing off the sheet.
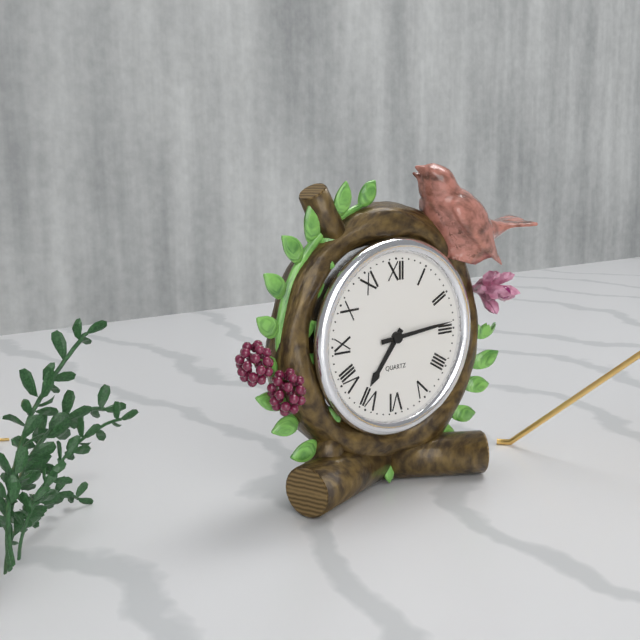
7:14
